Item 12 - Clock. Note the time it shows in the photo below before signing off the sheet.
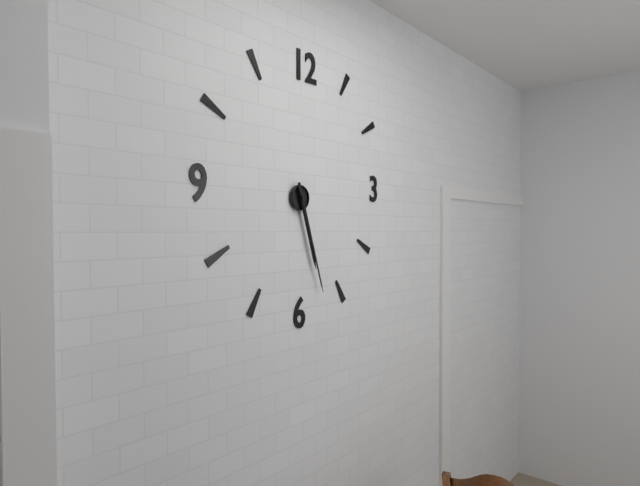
5:27
